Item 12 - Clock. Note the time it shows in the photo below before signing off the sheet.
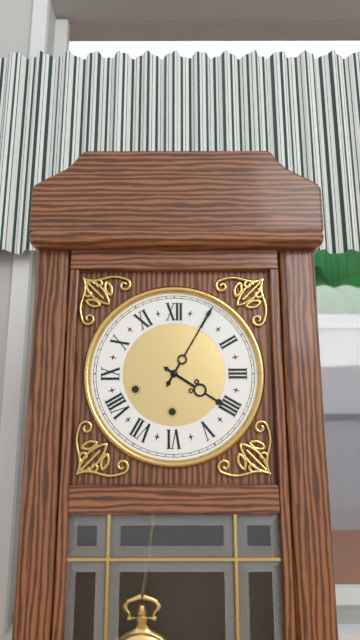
4:05
